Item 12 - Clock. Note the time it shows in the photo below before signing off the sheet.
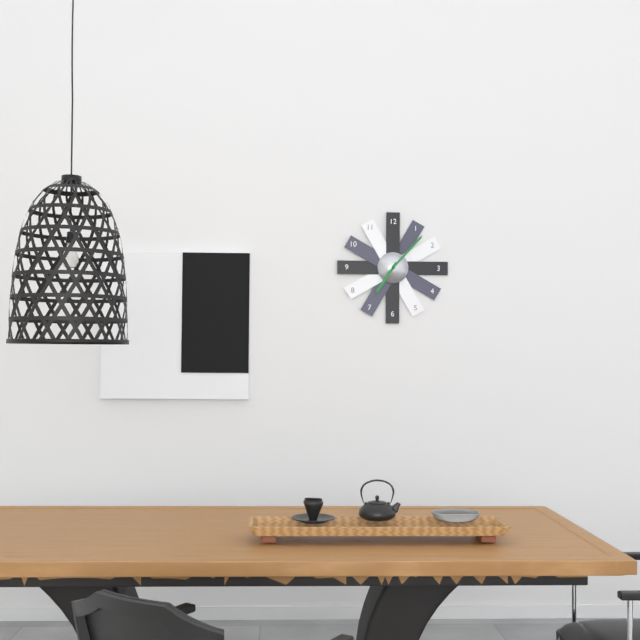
7:07
